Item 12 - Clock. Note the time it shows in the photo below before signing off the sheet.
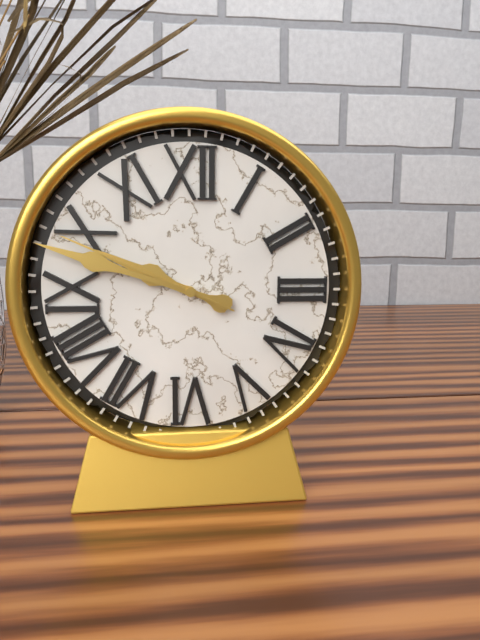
9:48:49
